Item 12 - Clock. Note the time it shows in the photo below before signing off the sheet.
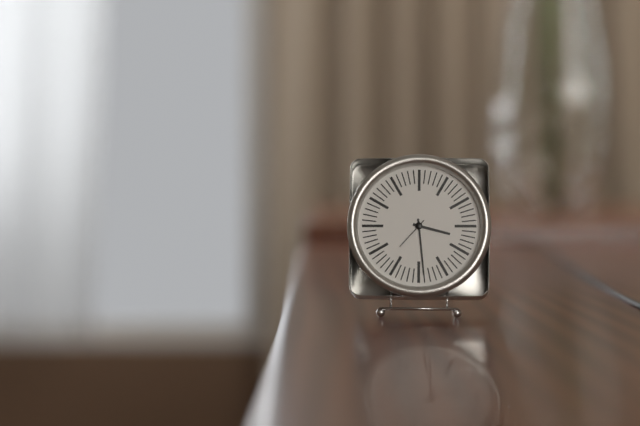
3:29
